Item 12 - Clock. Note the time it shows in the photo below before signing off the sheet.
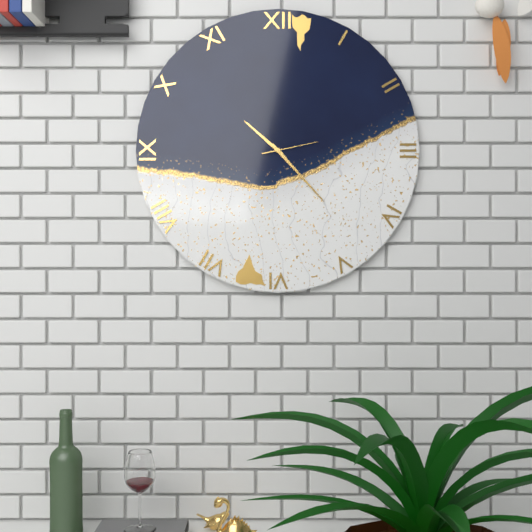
10:23:13
